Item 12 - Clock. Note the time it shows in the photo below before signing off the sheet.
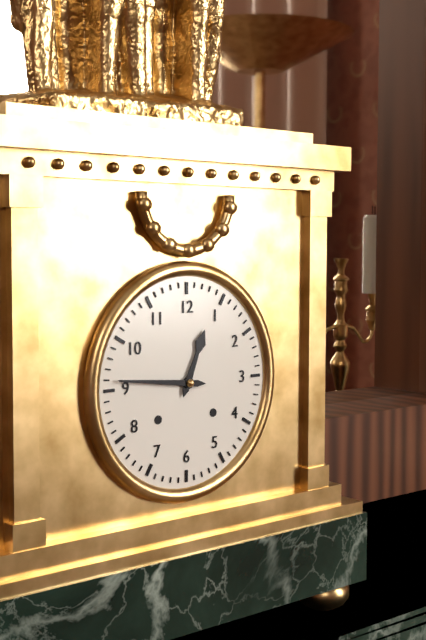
12:46
